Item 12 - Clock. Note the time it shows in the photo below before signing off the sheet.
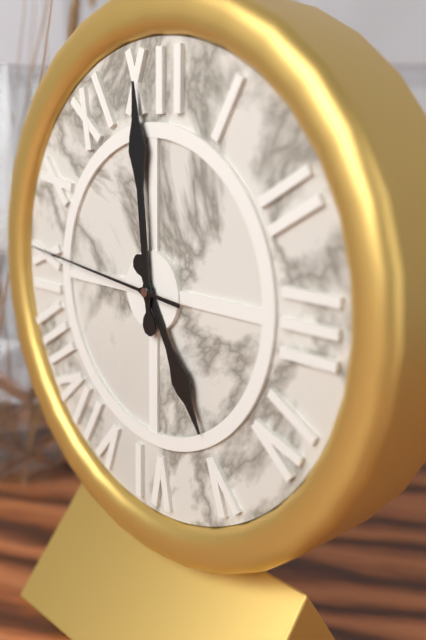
4:59:46
